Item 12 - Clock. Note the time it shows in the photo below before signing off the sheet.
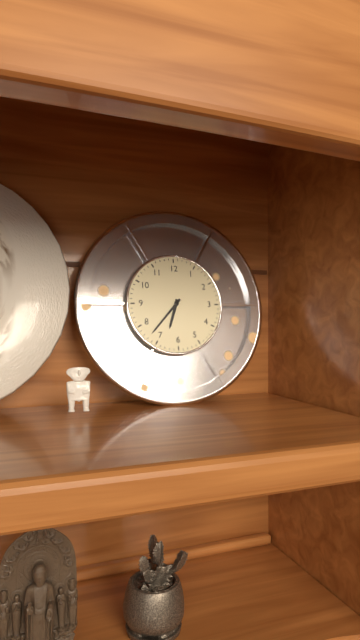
6:37
